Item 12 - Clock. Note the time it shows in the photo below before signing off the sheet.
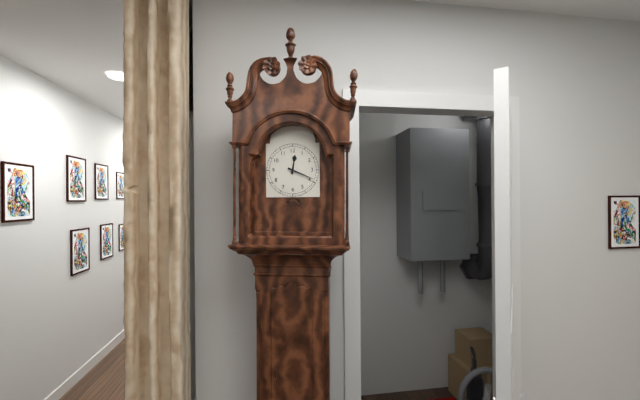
12:19
